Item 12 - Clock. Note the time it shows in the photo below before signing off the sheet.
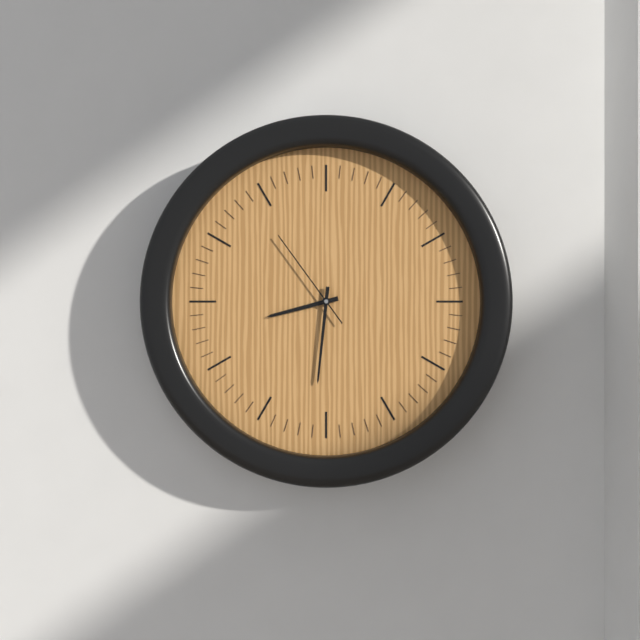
8:31:54
